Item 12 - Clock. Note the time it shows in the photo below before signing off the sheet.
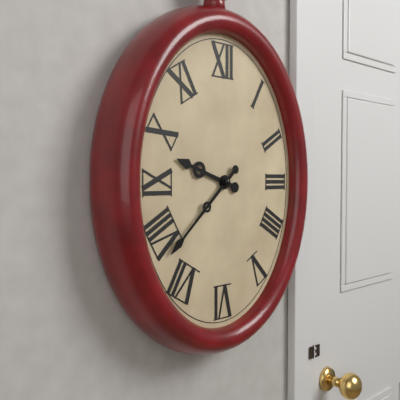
9:38
